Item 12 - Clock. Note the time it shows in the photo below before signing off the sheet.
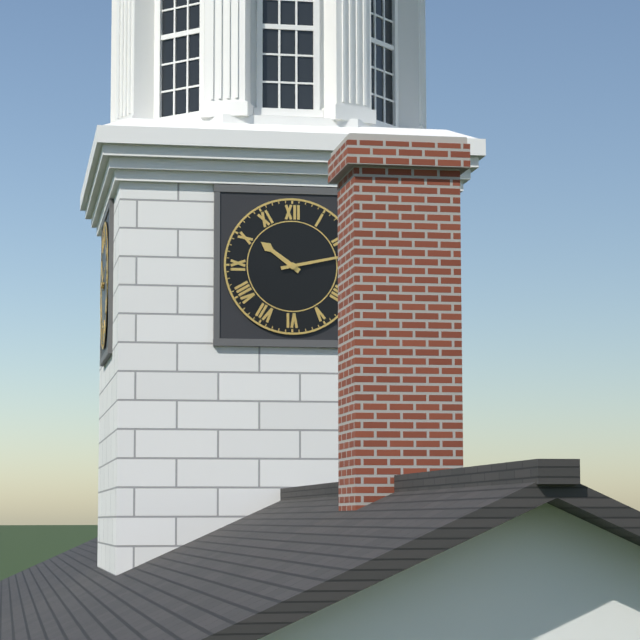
10:13
